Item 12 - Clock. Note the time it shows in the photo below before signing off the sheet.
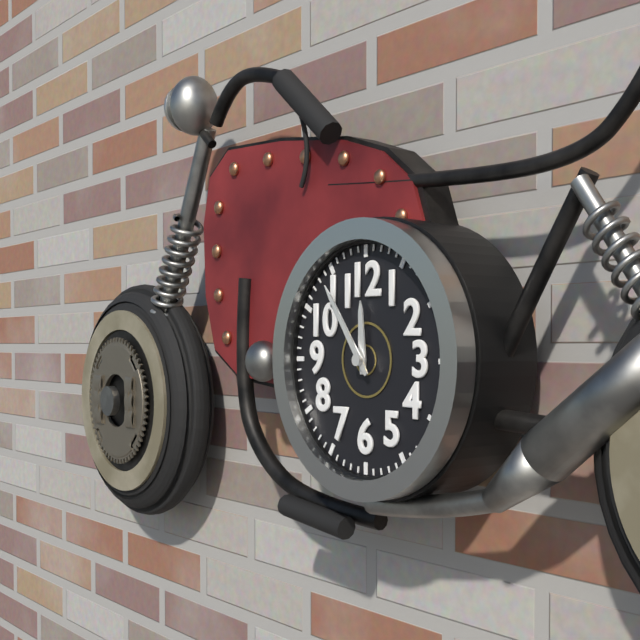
11:54
